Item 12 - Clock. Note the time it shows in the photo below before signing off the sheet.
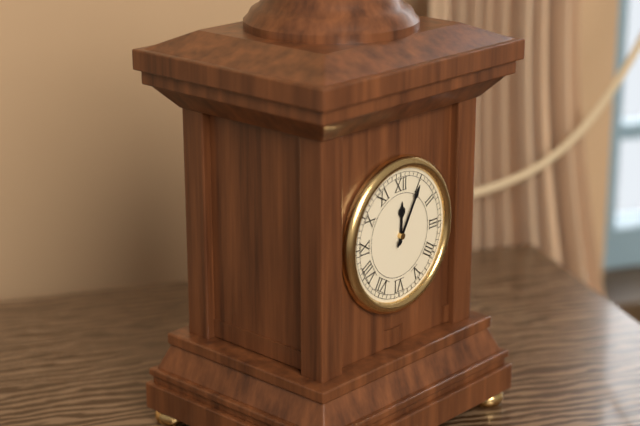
12:05
